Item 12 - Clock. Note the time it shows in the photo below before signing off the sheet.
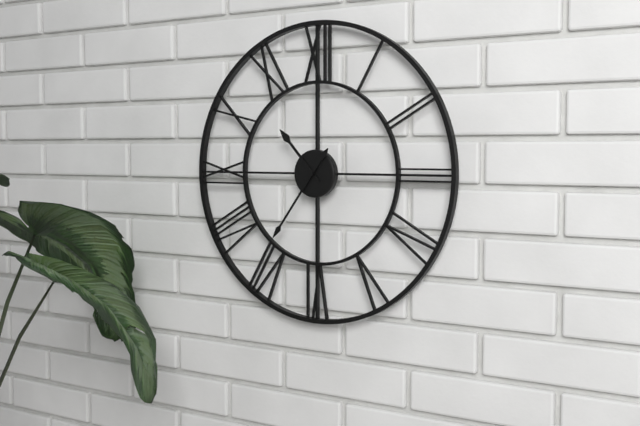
10:36
